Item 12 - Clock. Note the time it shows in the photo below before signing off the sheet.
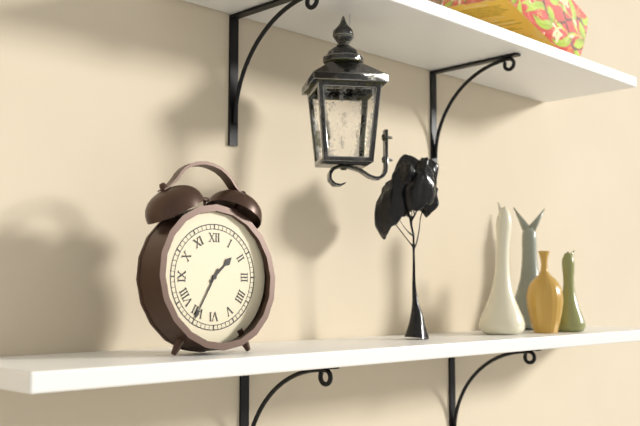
1:35
